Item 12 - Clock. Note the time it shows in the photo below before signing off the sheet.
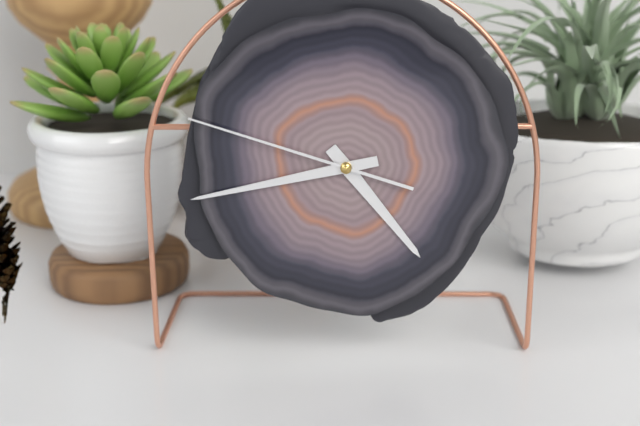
4:43:48
